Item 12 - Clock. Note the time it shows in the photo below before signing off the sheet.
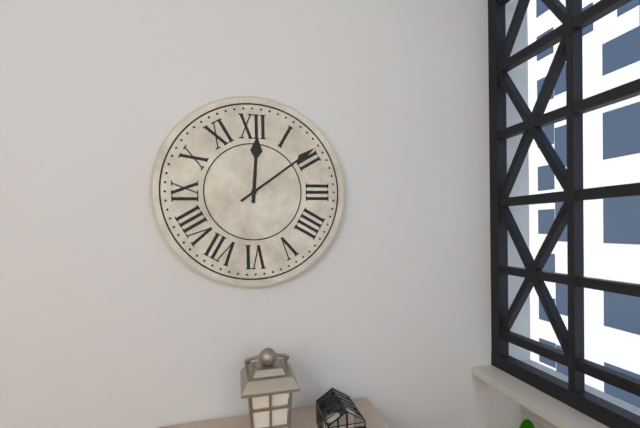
12:09
